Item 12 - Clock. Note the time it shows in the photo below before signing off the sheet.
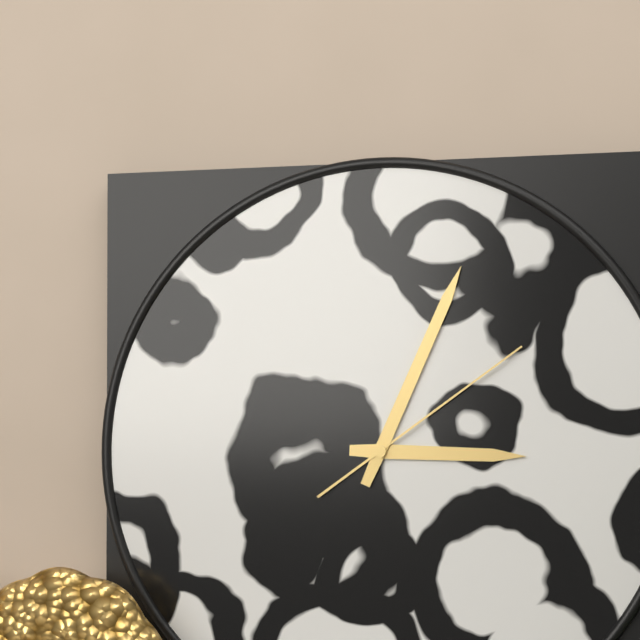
3:04:09
